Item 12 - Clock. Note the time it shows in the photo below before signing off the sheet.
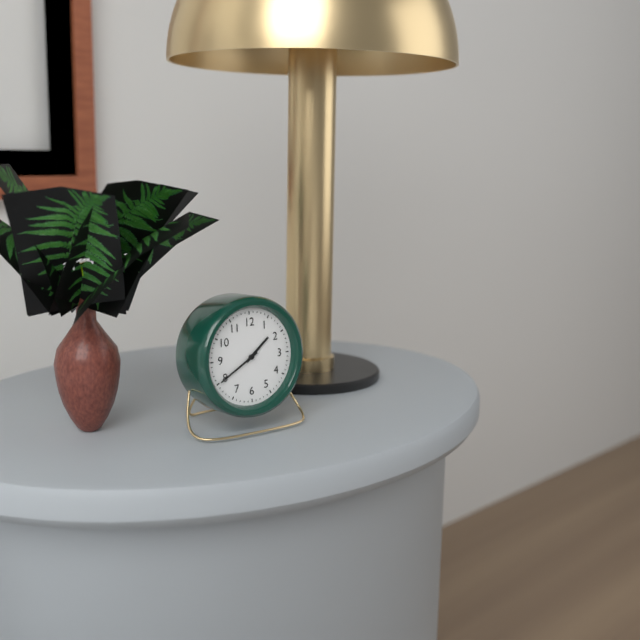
1:40
